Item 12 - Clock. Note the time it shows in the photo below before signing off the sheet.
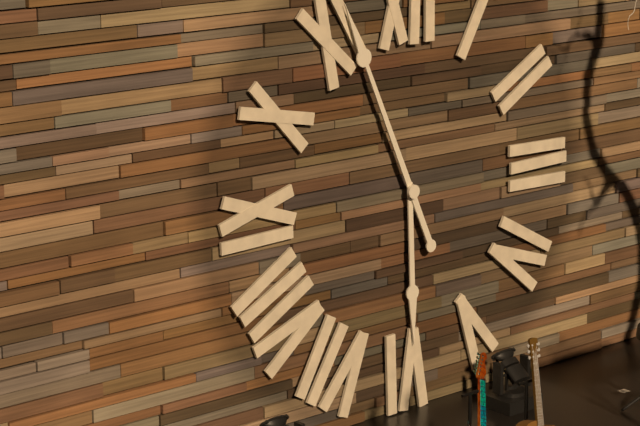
5:56
